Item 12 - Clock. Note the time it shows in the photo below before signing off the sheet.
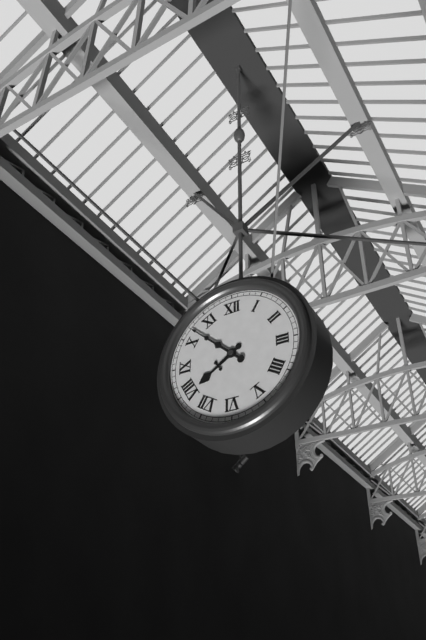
7:52
